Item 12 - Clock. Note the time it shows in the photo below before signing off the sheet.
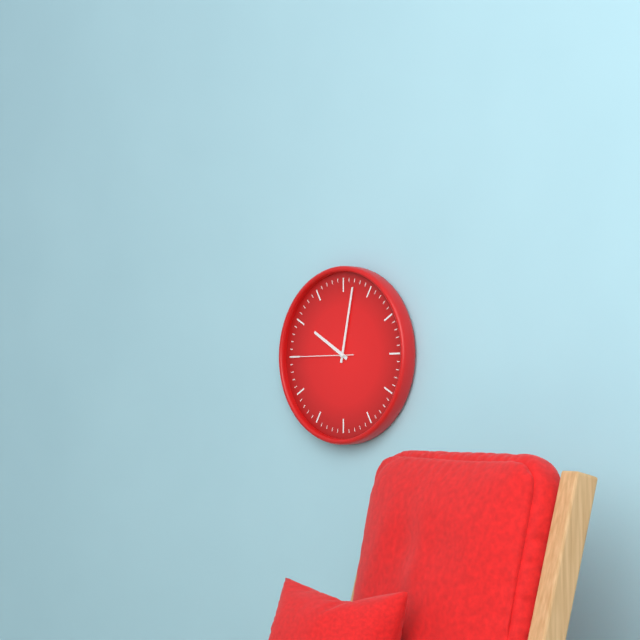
10:02:45
